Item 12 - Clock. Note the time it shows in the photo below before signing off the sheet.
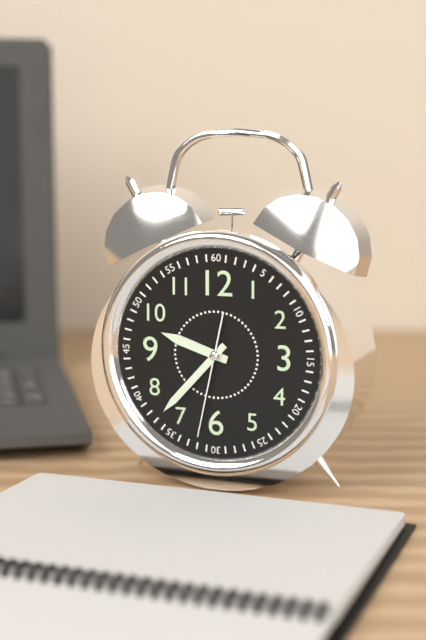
9:37:32
